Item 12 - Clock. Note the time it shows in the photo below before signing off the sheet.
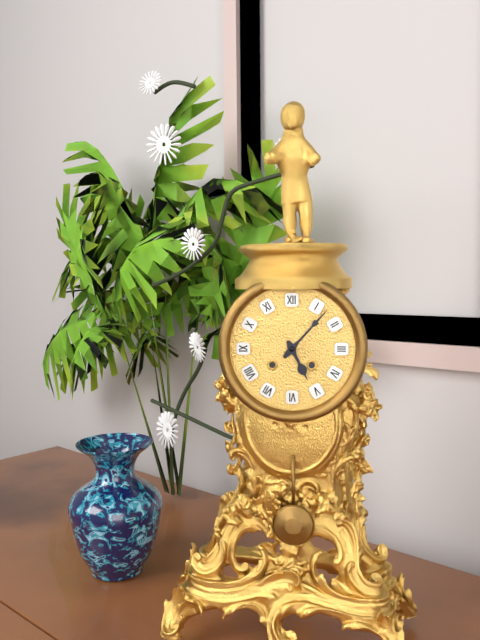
5:07
